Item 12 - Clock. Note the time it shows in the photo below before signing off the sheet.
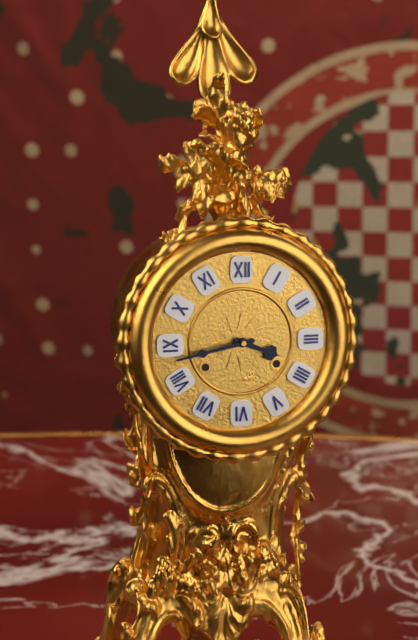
3:43
